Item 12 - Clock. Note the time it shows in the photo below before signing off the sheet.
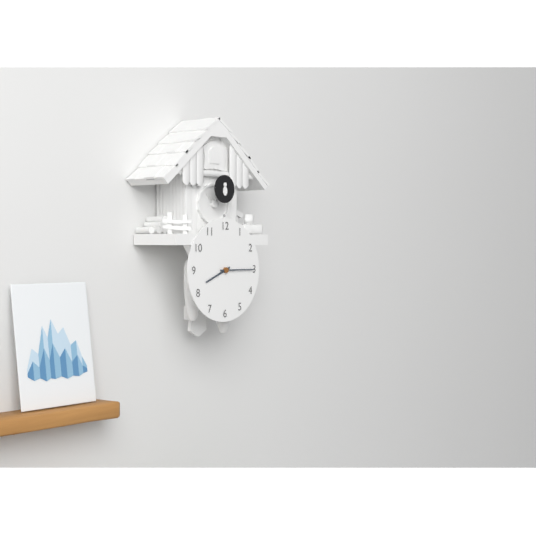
8:15
